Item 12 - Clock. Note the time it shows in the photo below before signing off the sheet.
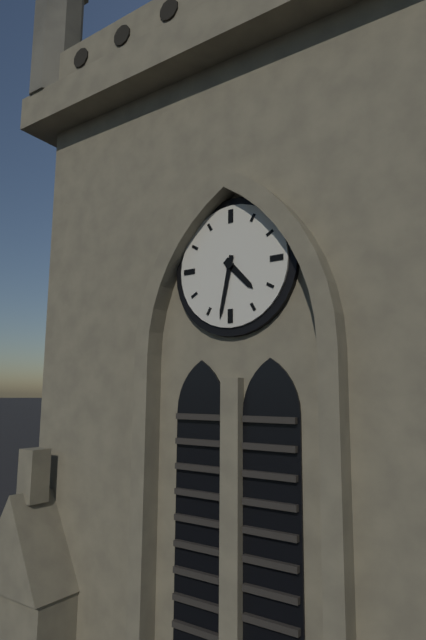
4:32
